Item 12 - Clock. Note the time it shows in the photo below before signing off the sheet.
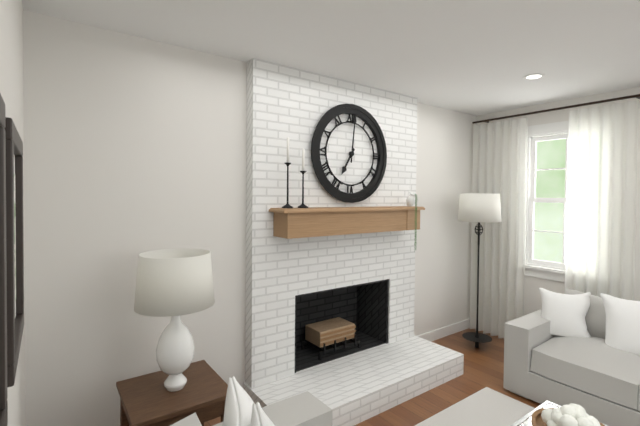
7:01
